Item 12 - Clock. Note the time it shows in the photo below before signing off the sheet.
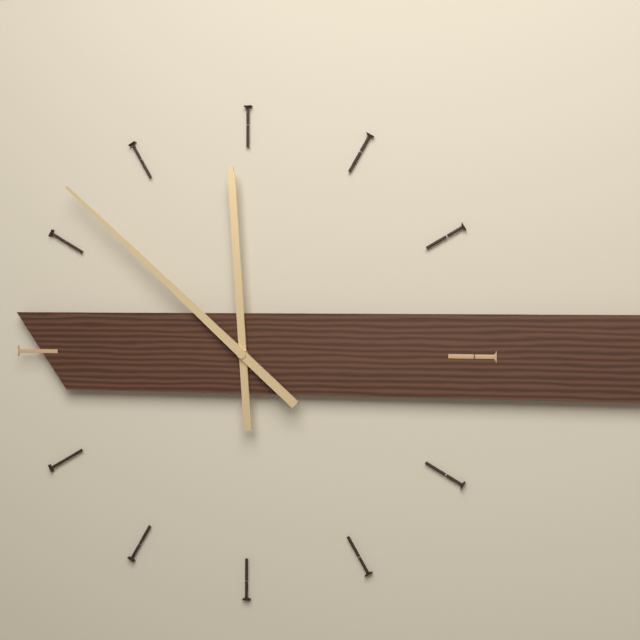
11:52
